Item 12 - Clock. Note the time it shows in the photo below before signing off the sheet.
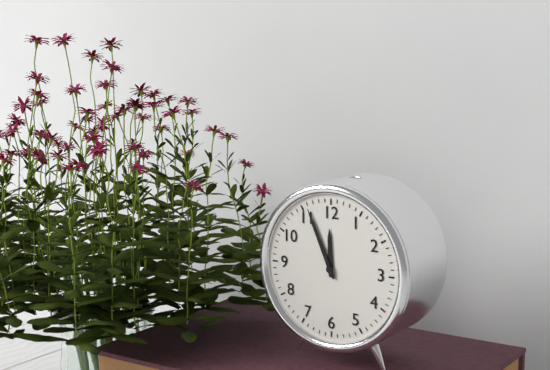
11:56
